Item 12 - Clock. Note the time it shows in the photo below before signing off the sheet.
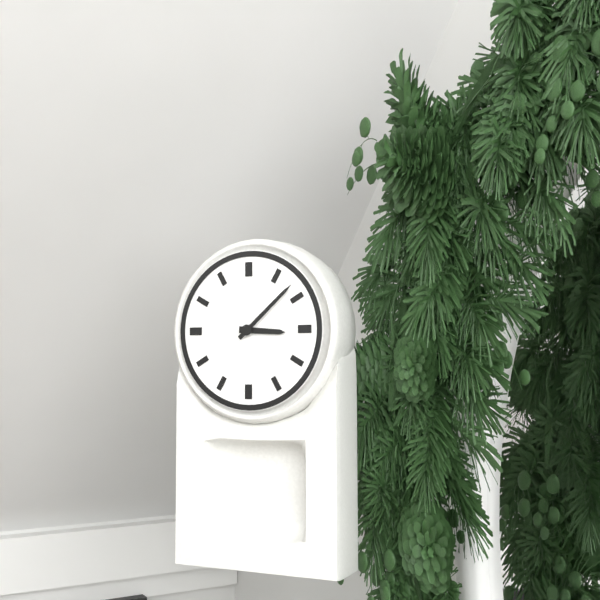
3:08
